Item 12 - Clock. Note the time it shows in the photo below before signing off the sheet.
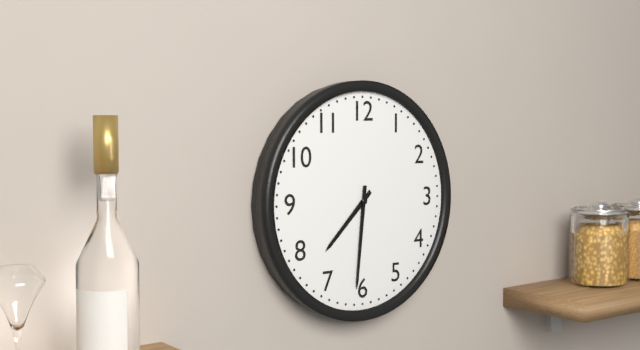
7:31
